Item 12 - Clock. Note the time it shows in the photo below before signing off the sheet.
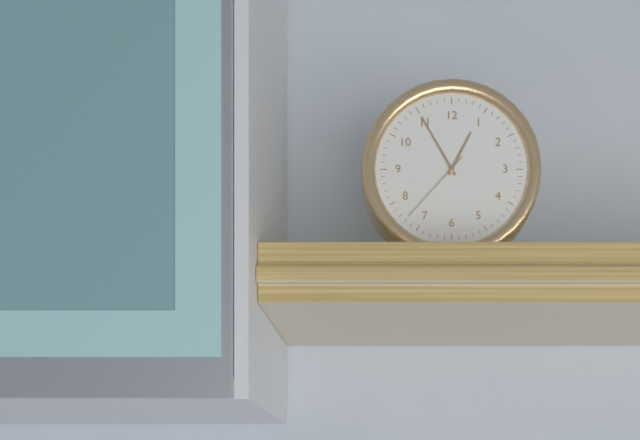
12:55:37
